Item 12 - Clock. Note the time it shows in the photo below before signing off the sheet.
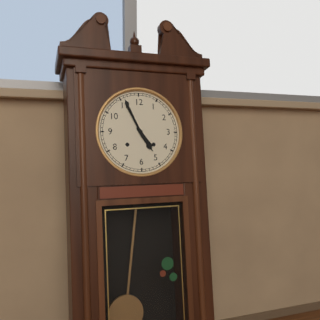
4:56
